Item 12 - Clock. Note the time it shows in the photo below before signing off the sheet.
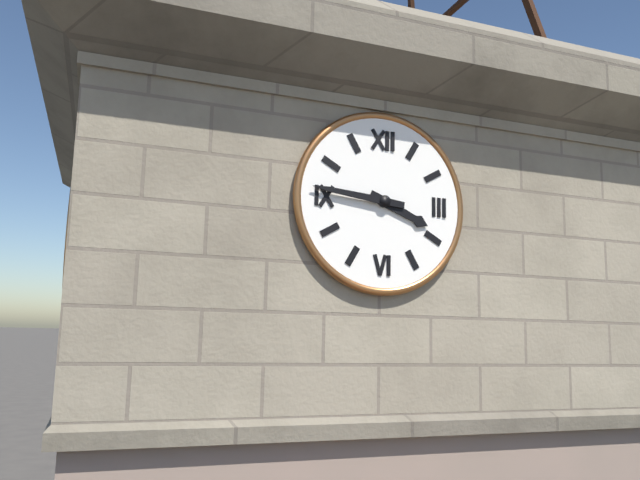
3:46
